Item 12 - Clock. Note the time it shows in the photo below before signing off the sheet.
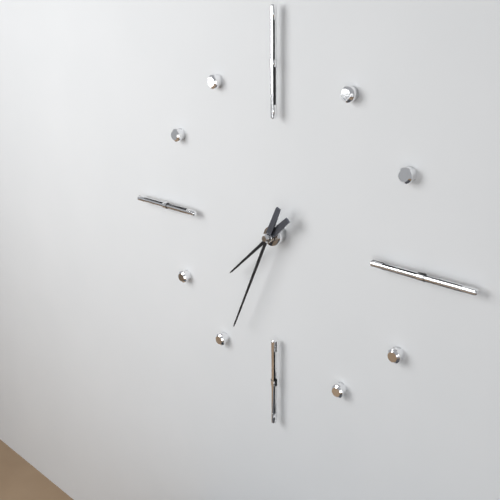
7:34
